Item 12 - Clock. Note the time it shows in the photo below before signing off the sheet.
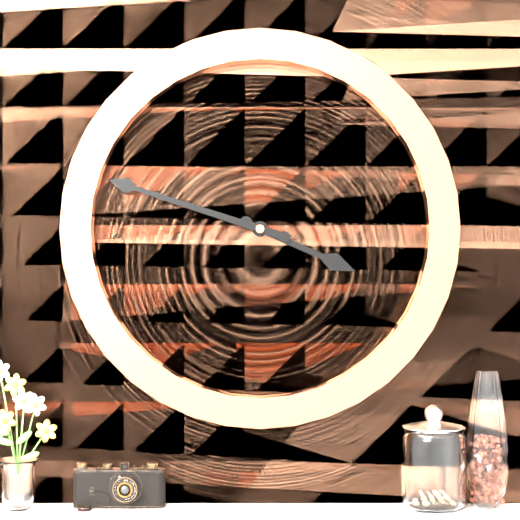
3:48
